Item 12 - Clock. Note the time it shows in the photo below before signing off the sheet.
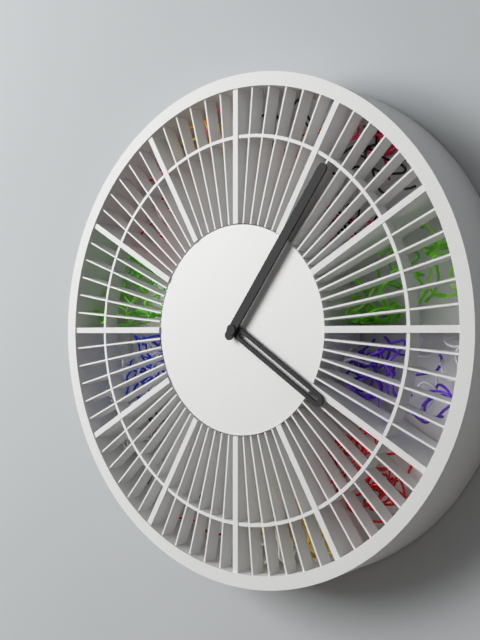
4:06
